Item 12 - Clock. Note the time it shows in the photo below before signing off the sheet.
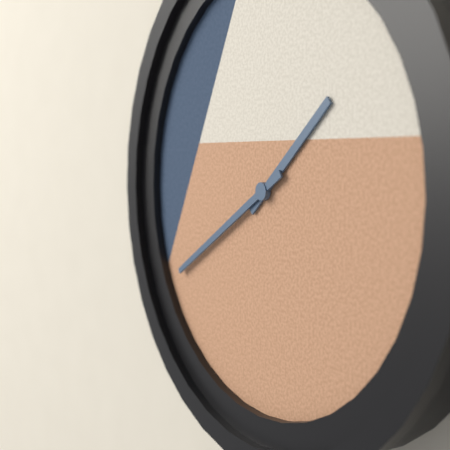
1:40
